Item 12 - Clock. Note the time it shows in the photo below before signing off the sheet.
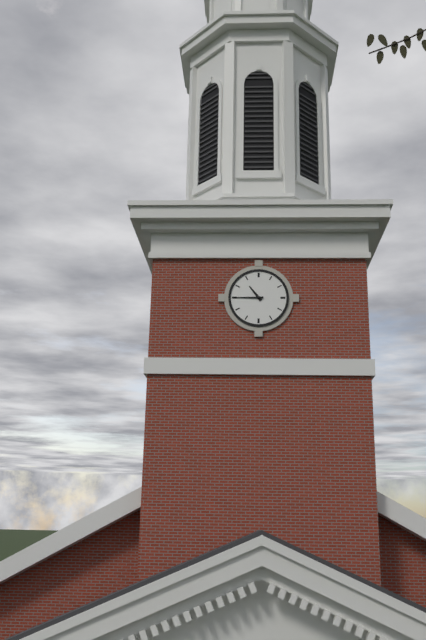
10:45
